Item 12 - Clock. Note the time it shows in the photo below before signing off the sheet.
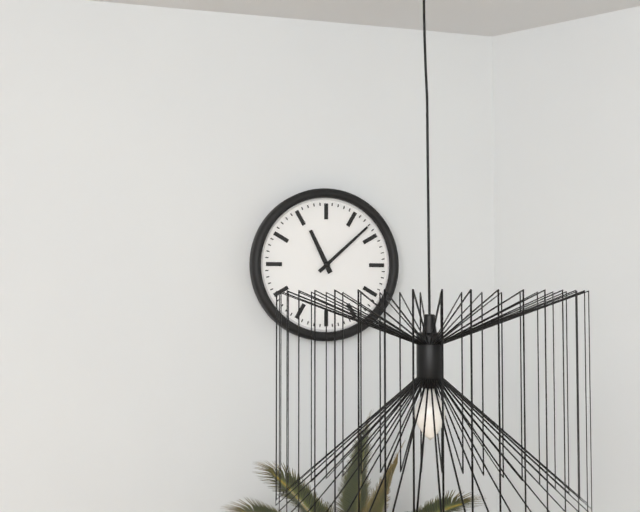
11:08
